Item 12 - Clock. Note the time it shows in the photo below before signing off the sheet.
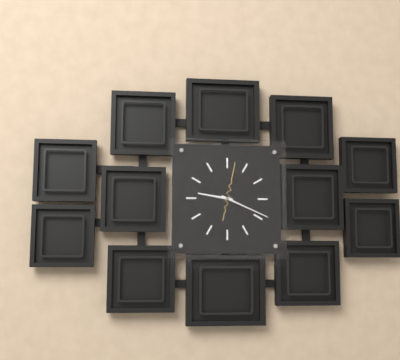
9:19
